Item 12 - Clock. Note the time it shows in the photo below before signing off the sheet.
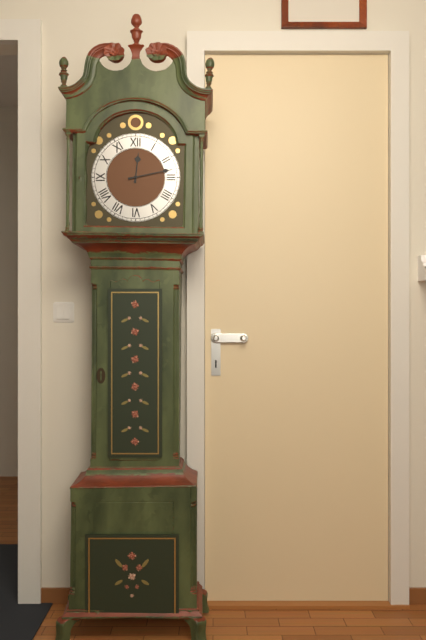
12:13
